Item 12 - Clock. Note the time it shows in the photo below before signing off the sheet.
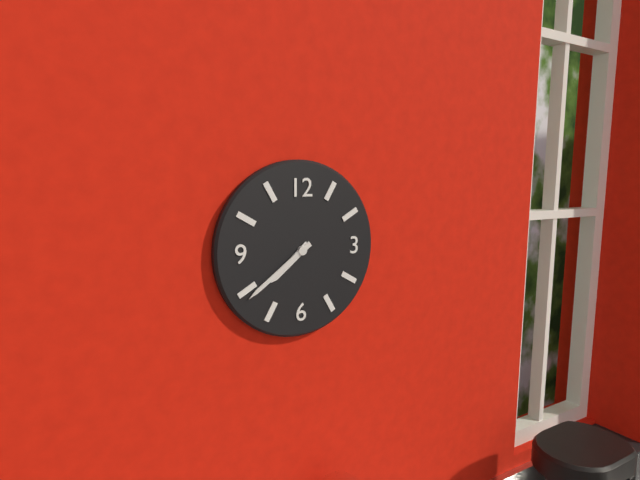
7:39
